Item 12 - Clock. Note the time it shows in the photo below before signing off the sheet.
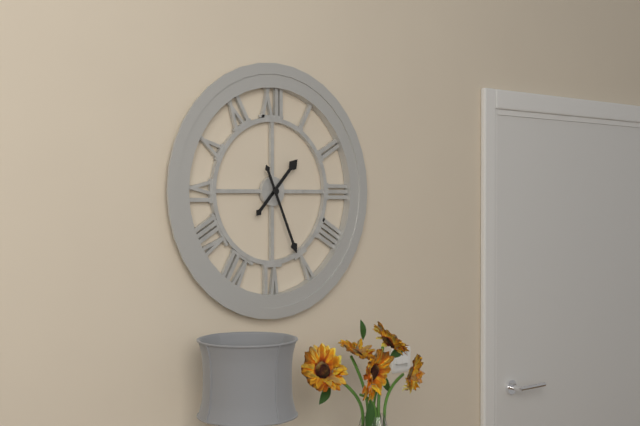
1:26
